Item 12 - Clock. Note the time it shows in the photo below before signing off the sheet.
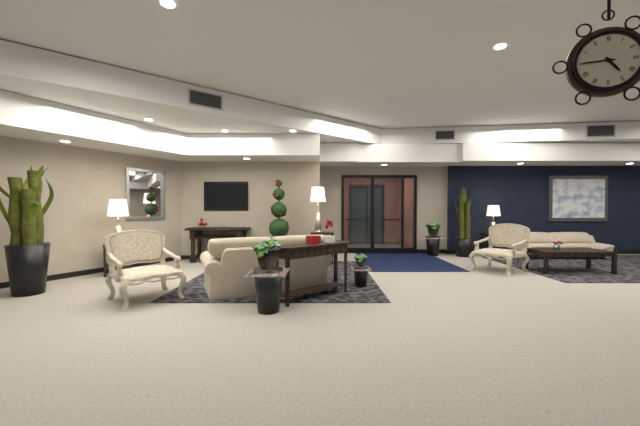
4:45
